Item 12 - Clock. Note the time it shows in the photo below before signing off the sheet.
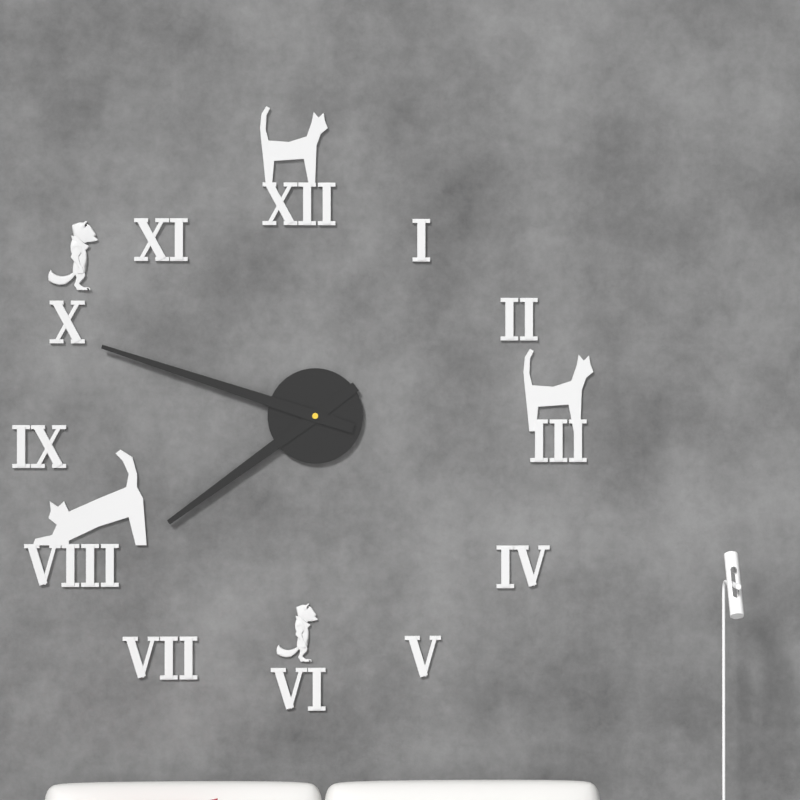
7:48
